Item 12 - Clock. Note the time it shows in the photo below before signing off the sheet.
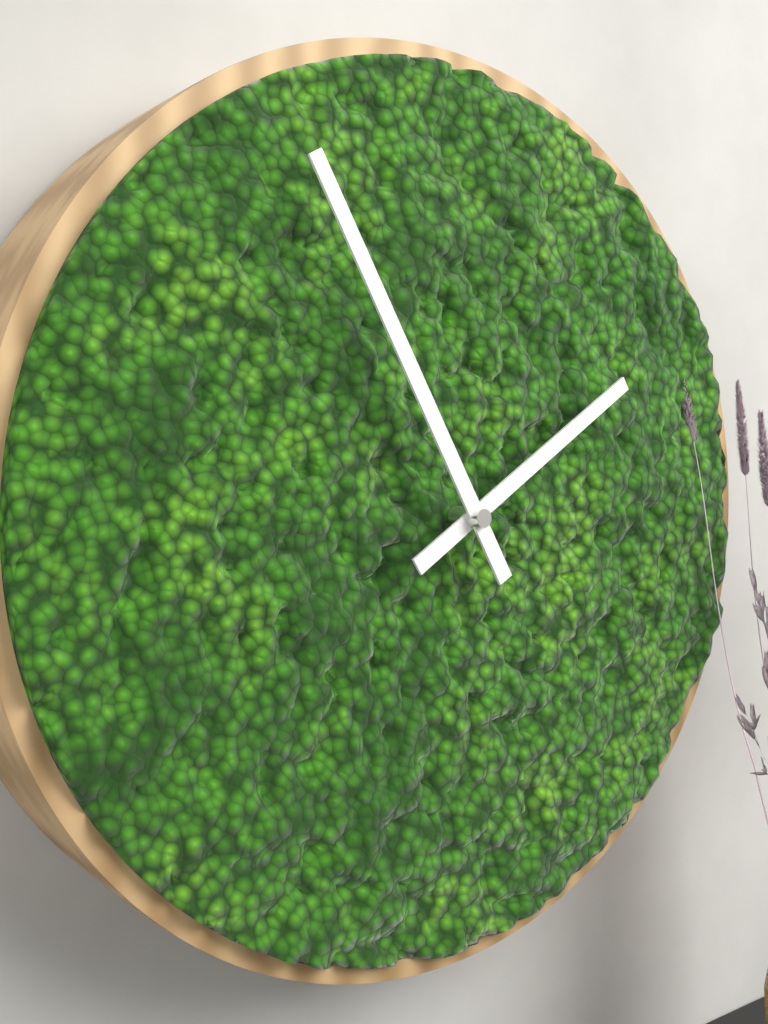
1:55
